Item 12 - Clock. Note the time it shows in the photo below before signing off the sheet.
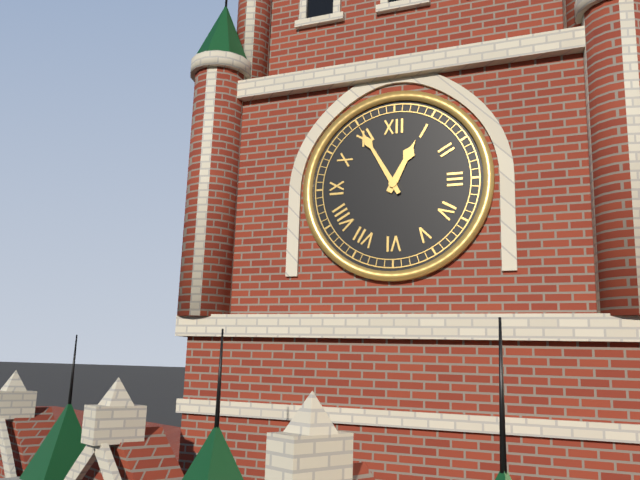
12:55
